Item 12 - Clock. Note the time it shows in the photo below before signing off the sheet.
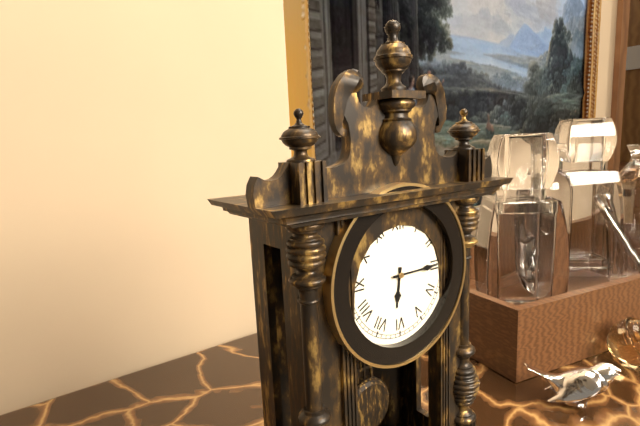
6:15
